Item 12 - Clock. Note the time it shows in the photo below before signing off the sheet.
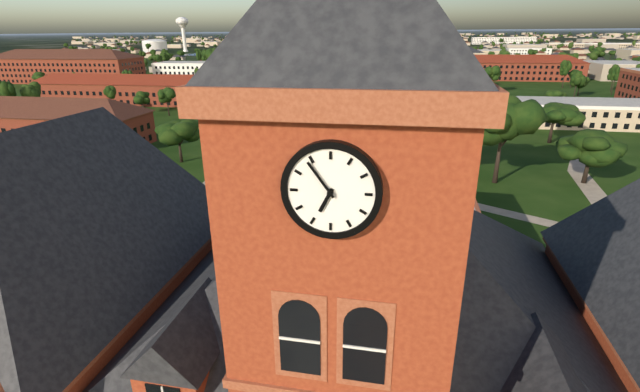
6:54
